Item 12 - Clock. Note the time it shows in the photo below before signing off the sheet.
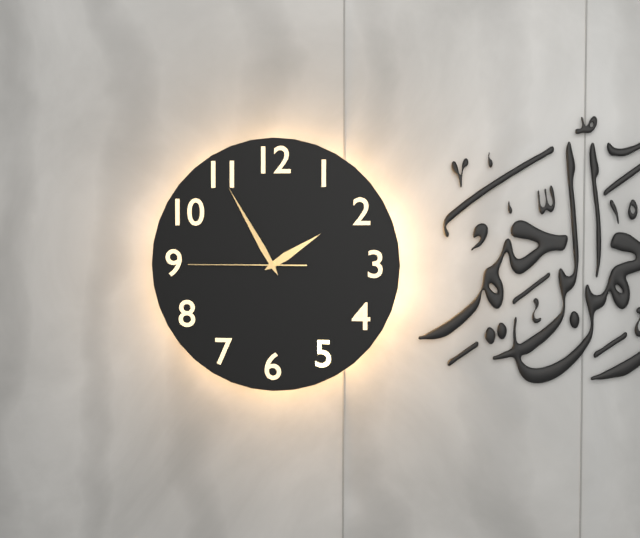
1:55:45
